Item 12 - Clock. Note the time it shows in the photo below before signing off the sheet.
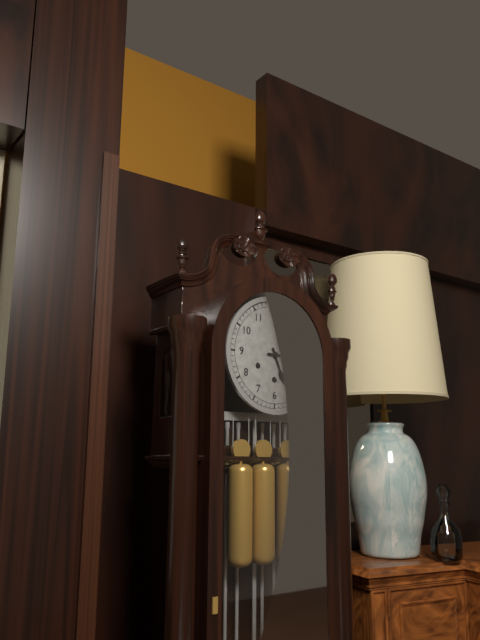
5:15
